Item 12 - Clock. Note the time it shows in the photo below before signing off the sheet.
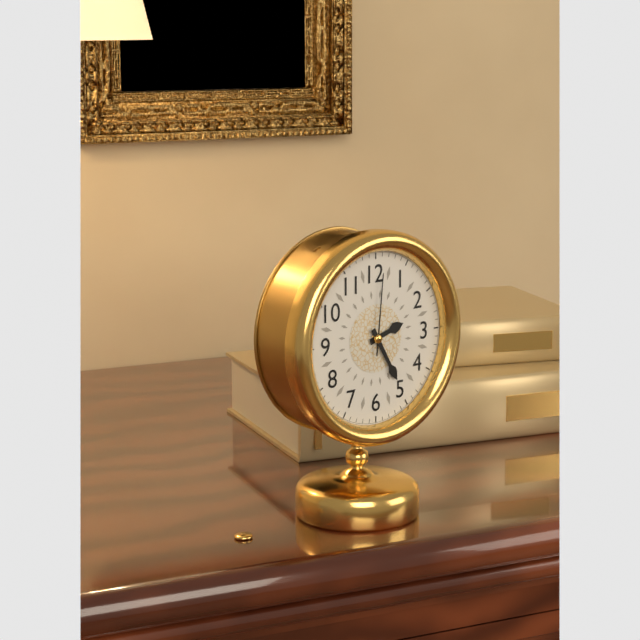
2:25:01
